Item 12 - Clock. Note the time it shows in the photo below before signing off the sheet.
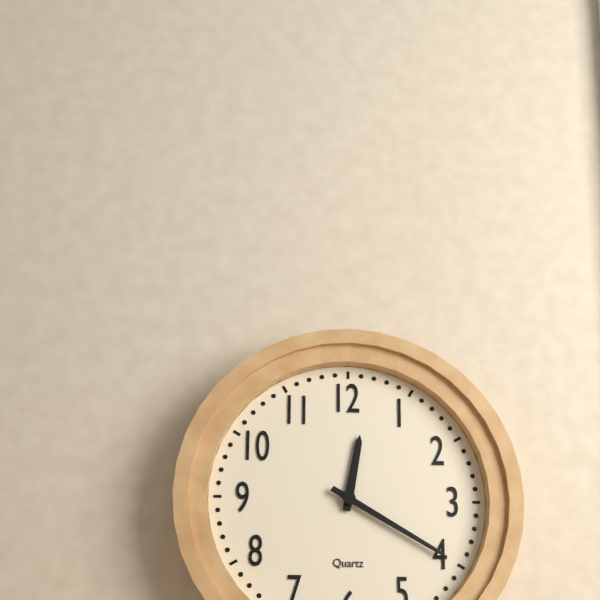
12:20
